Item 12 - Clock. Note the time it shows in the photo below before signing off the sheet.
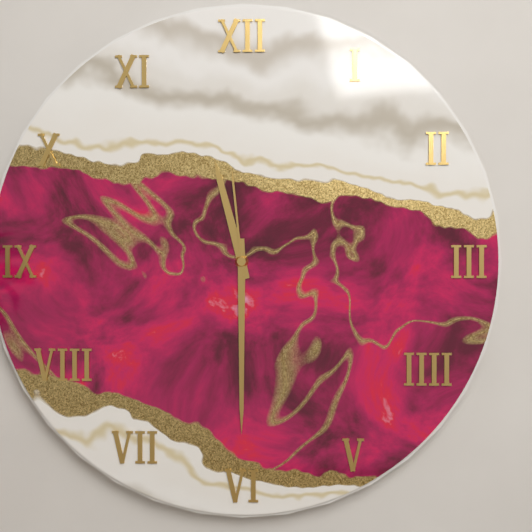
11:30:59
